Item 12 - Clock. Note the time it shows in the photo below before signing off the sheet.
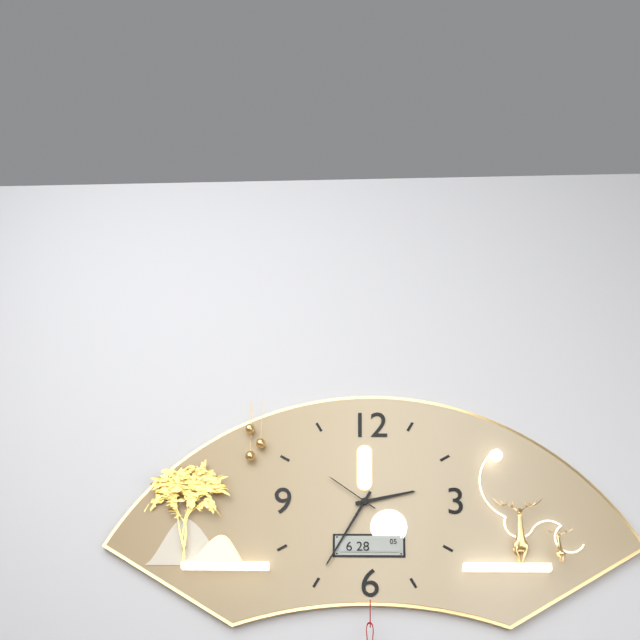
2:35:51
